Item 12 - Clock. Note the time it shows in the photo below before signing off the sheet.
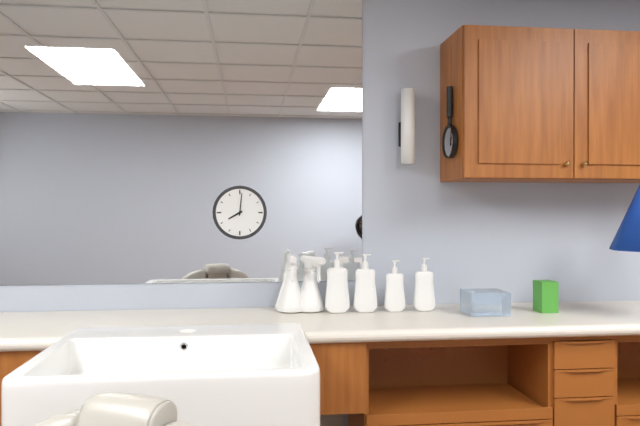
8:01
